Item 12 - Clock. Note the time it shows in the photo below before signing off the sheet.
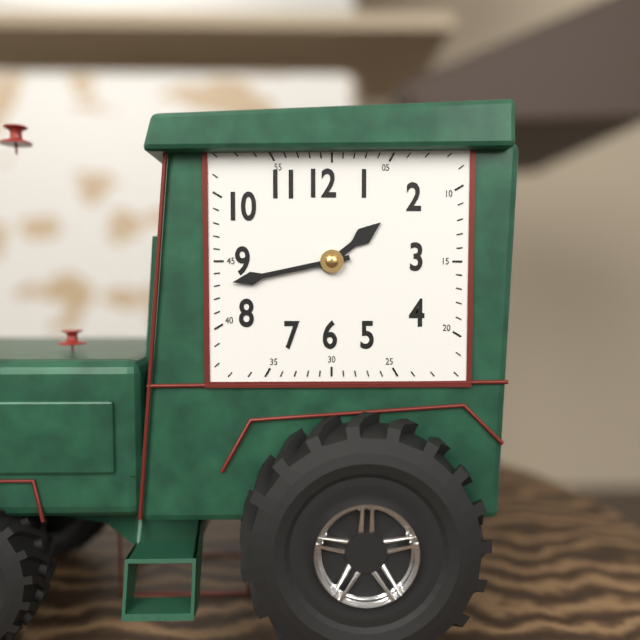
1:43
